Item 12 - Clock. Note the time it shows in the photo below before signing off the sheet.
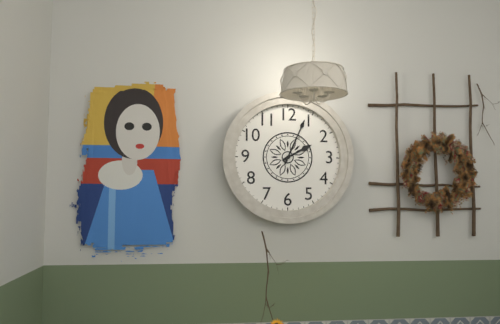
2:04
